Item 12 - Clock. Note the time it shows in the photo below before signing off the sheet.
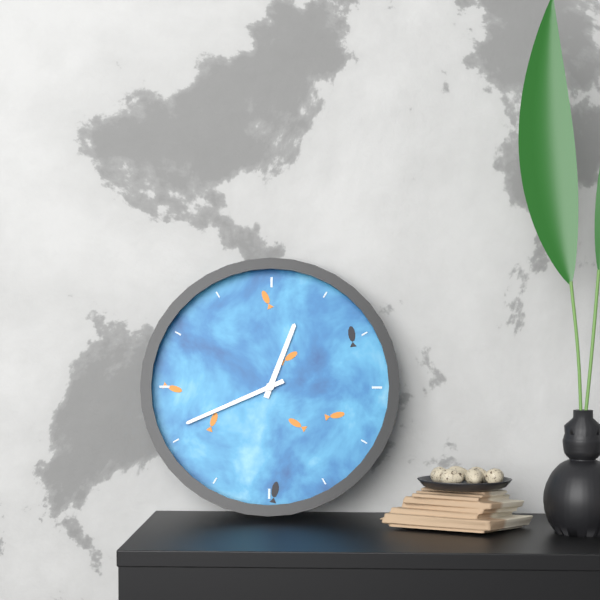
12:41
